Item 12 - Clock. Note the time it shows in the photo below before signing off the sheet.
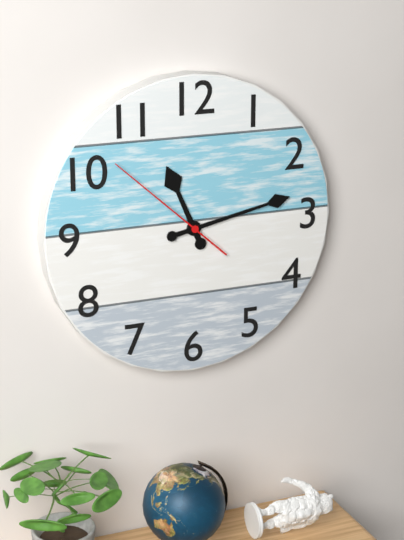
11:13:52
